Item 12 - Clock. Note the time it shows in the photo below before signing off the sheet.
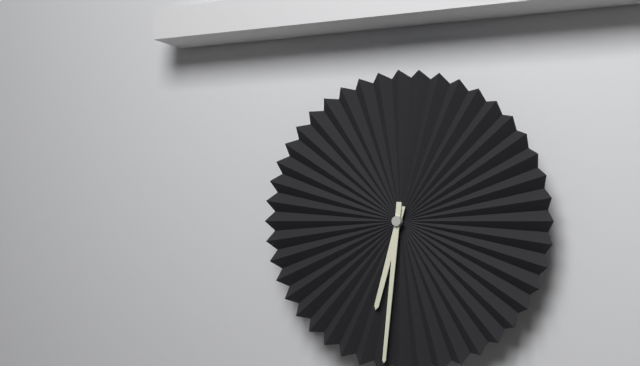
6:31
